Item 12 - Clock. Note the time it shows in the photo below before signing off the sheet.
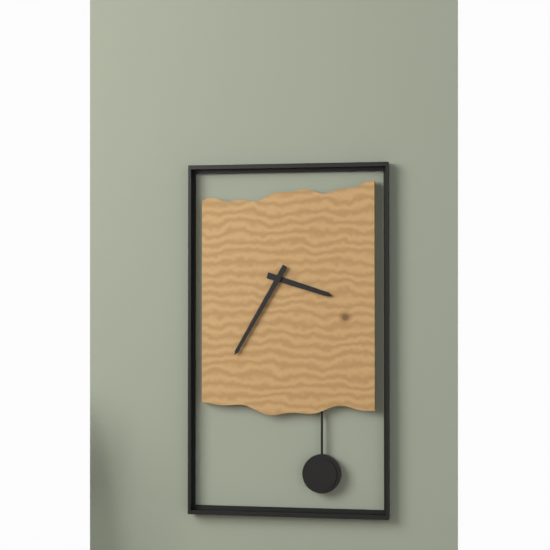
3:35
